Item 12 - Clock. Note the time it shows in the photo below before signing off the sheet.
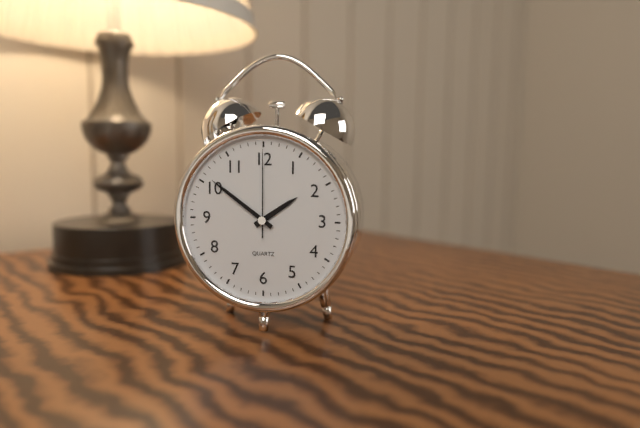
1:51:00
